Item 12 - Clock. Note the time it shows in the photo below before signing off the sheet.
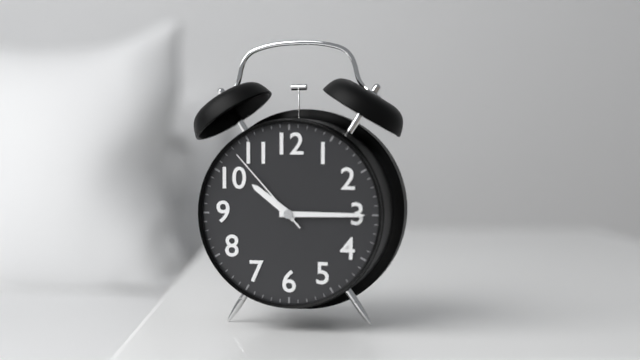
10:15:53
